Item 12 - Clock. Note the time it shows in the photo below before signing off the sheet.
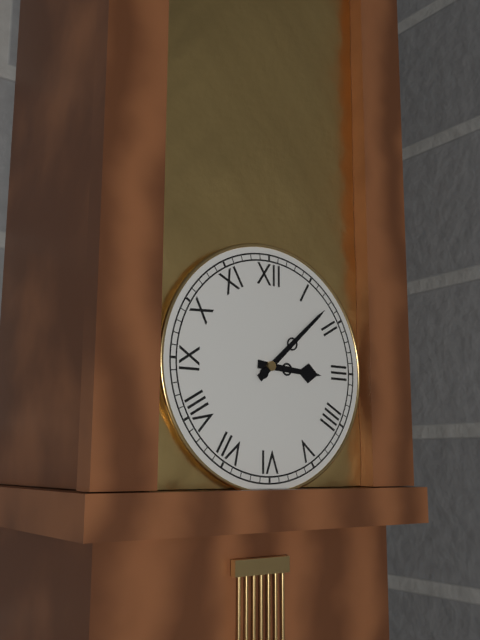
3:08
